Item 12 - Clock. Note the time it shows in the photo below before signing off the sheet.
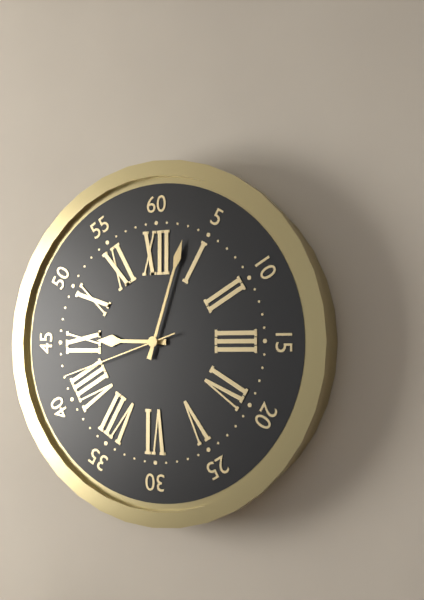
9:03:42
